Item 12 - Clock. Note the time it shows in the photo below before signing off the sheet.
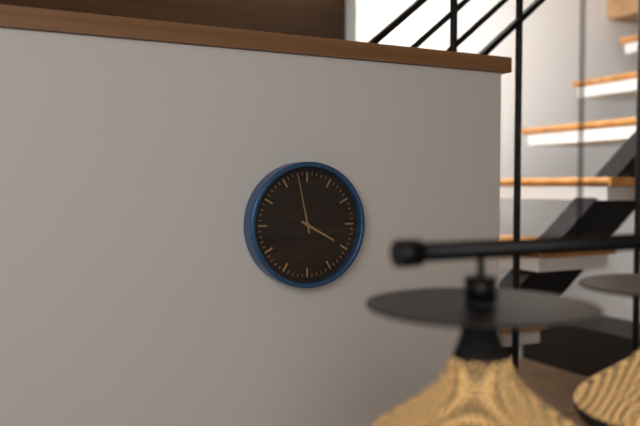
3:58
